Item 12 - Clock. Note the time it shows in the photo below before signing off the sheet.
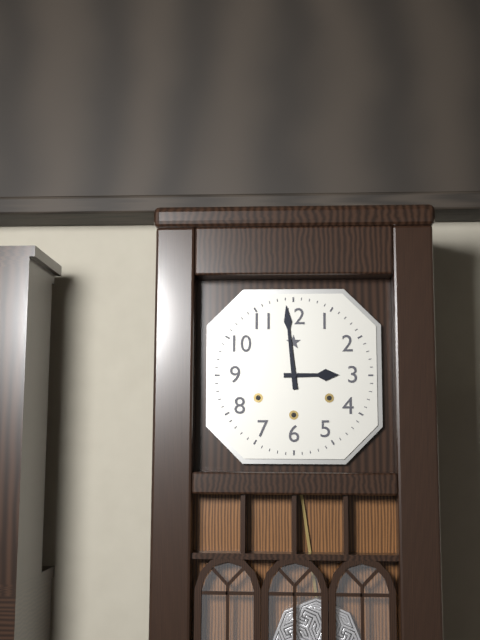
2:59
